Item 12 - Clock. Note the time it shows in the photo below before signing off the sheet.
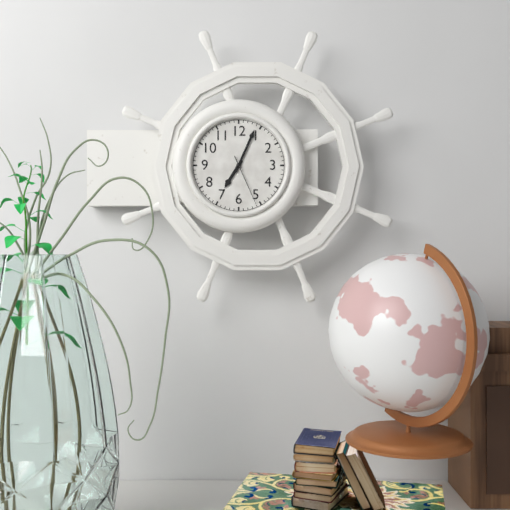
7:04:26
